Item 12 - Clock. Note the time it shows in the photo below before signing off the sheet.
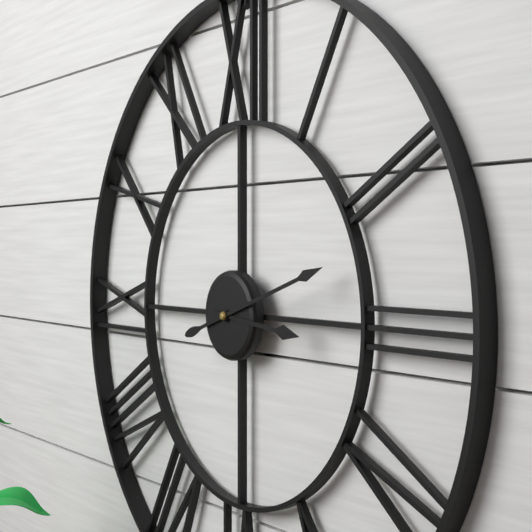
3:12
